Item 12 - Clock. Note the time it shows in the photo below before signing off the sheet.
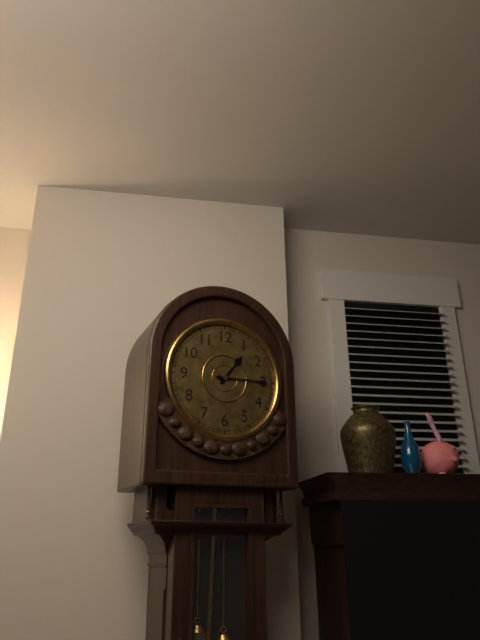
1:15
